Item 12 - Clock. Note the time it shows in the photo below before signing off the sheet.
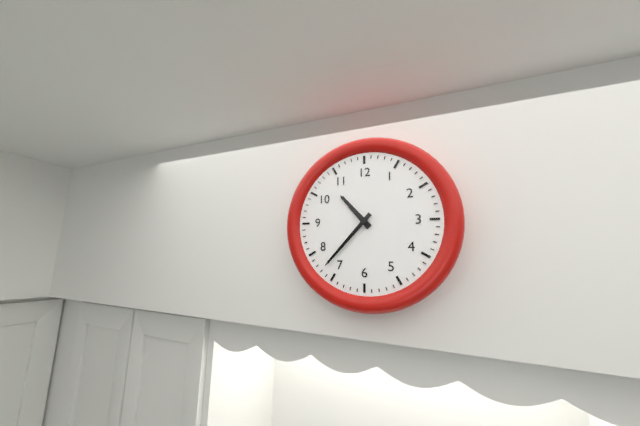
10:37
